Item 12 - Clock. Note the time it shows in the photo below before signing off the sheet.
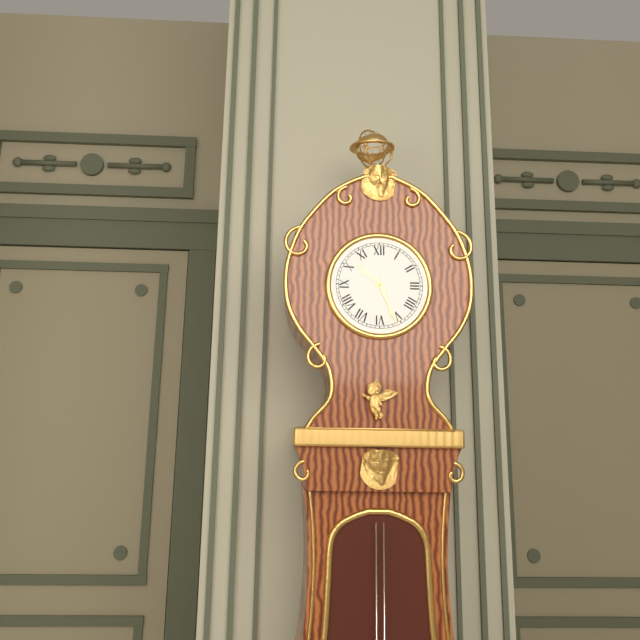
10:26
